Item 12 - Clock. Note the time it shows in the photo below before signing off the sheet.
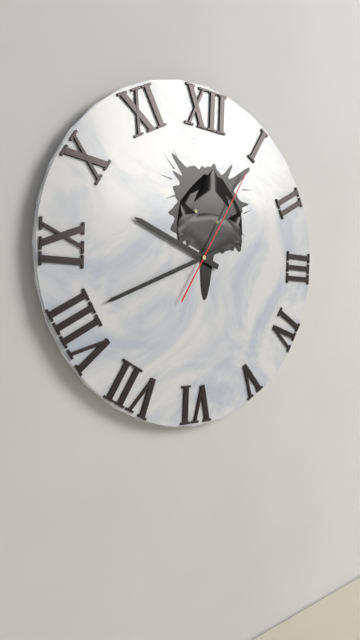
9:41:05
